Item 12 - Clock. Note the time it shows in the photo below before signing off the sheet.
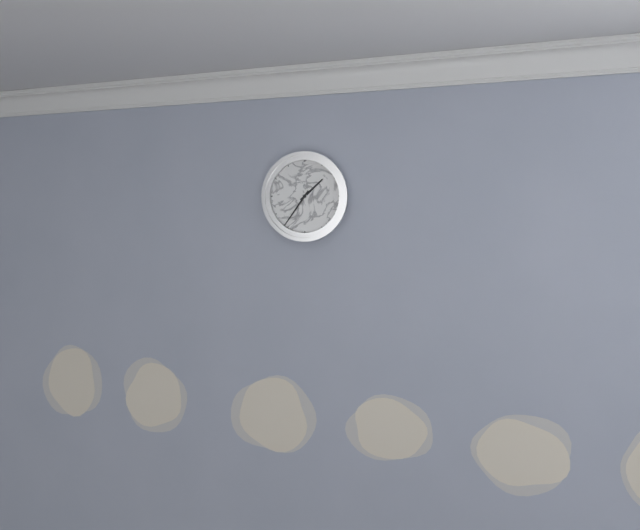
1:36
